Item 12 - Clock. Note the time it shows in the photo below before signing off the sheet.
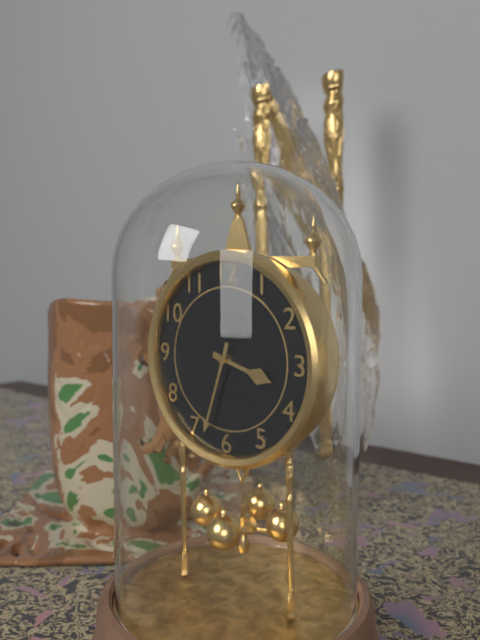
3:33
